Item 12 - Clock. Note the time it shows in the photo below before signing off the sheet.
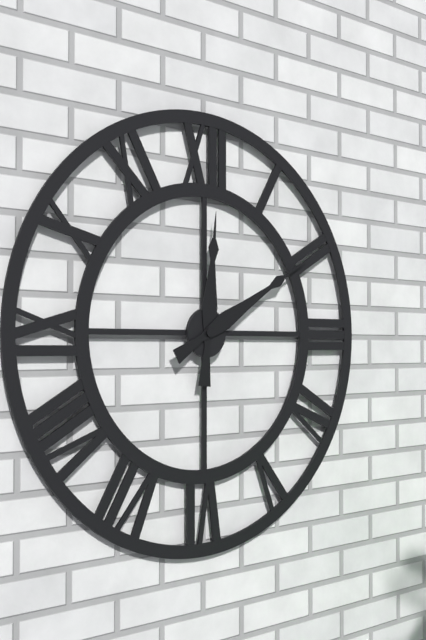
12:10
